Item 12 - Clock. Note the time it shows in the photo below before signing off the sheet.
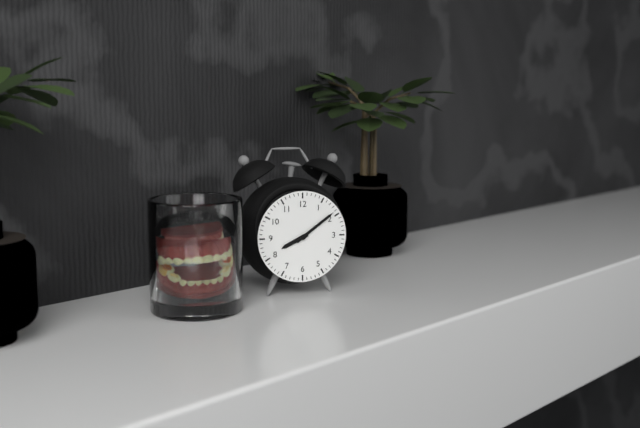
8:09
